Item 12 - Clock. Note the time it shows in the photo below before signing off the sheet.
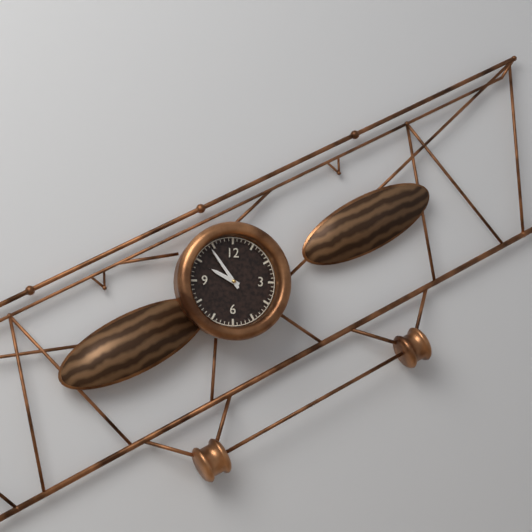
9:54
